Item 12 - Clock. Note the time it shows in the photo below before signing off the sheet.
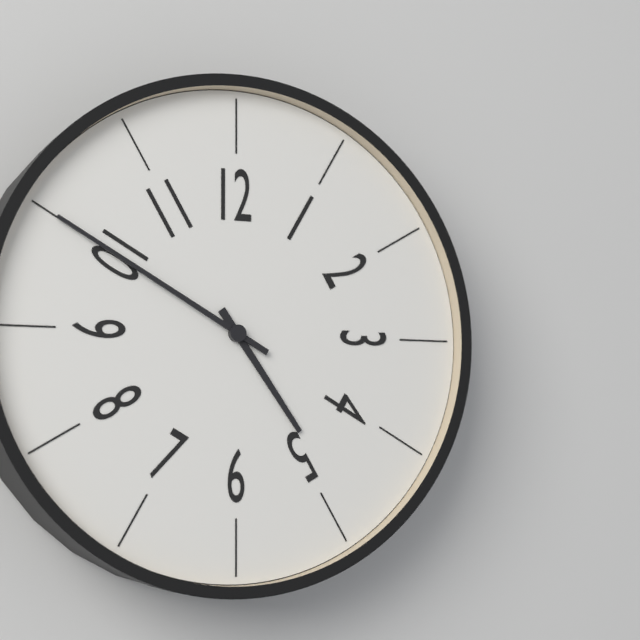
4:50
